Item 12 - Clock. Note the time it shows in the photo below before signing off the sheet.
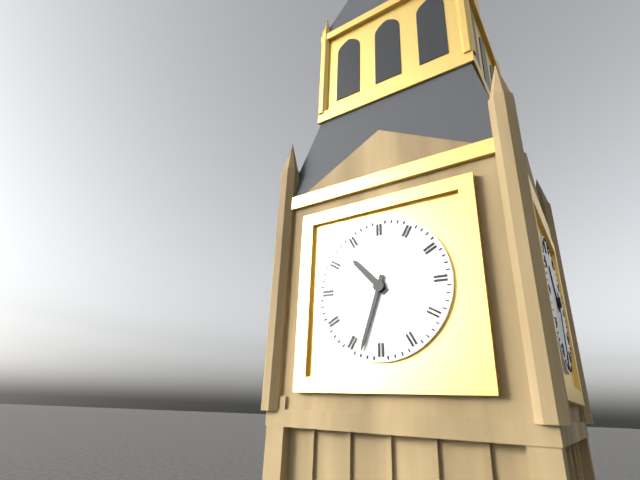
10:33
